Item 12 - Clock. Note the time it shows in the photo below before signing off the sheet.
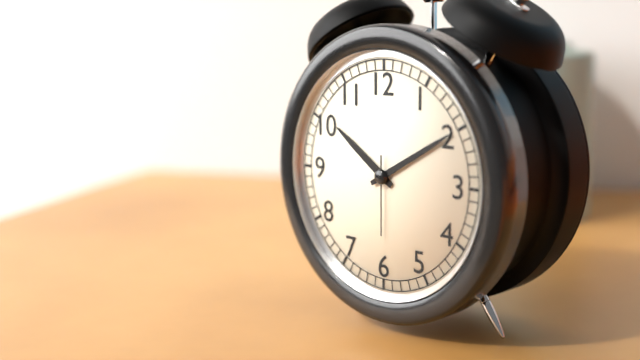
10:10:30
